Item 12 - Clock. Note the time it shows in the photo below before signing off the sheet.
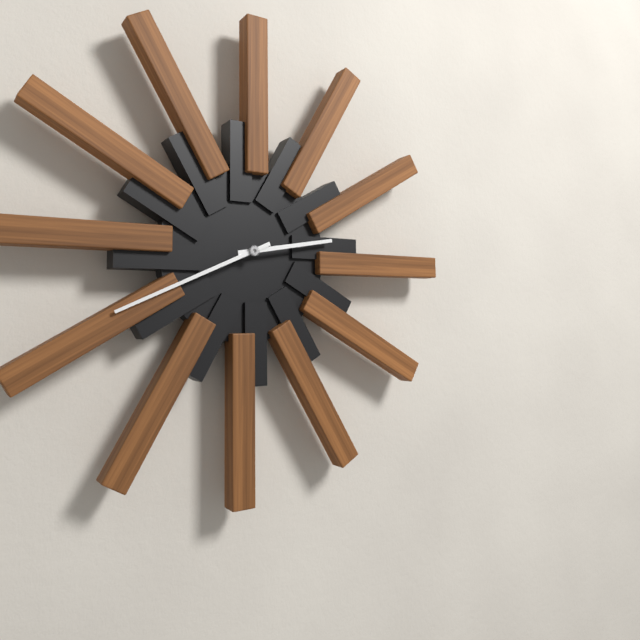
2:41
